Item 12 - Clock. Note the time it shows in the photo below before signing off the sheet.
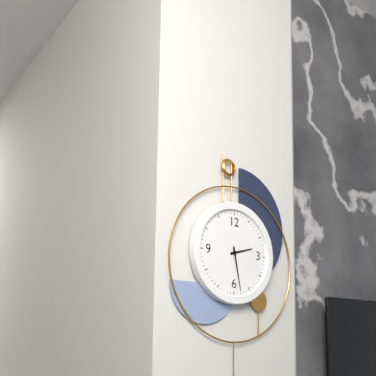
2:28
